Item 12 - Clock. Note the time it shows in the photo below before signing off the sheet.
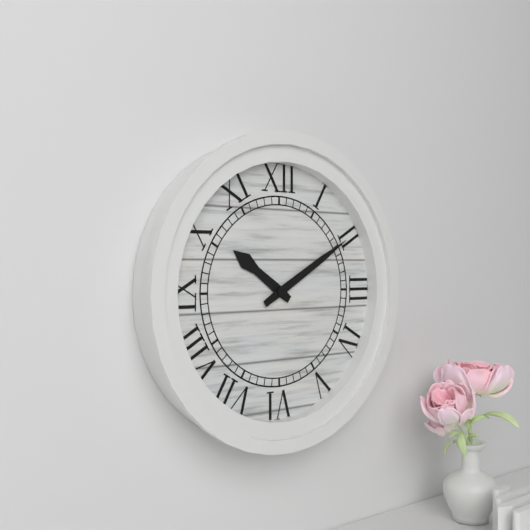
10:10
